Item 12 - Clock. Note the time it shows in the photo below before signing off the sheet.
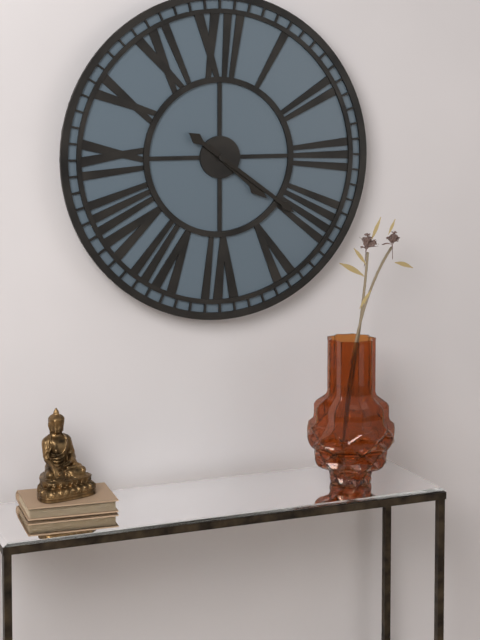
4:21
